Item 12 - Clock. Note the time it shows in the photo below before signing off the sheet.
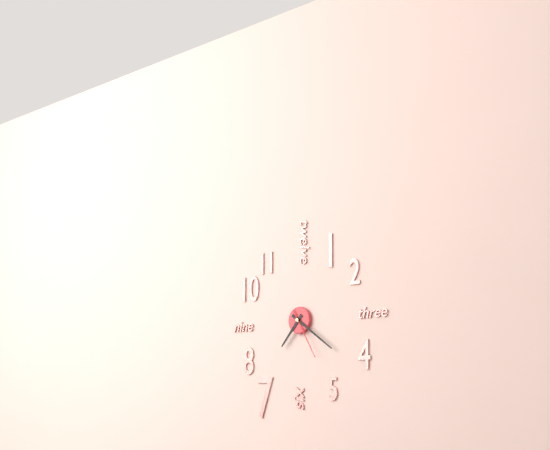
7:21:25
